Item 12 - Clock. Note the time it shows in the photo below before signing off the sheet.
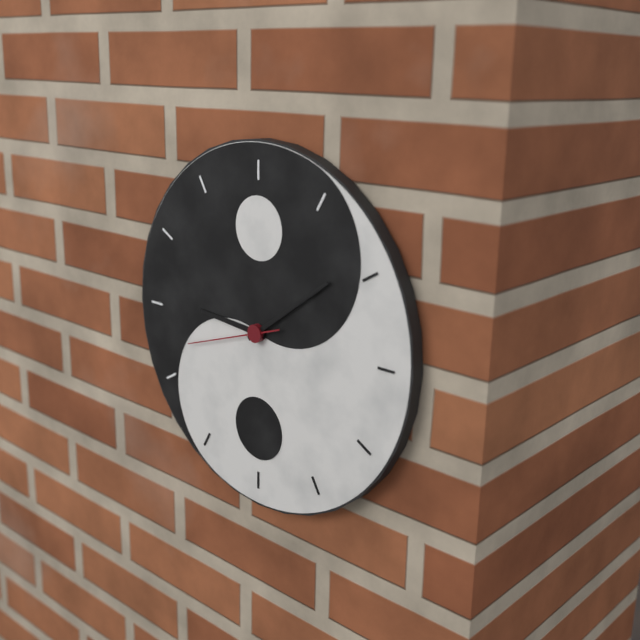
9:09:42
